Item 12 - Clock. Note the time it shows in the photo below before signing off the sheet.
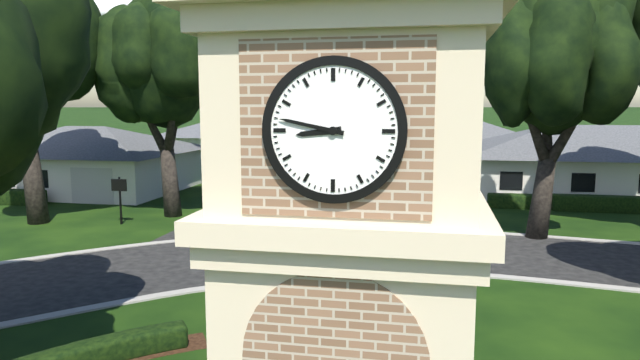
8:47
